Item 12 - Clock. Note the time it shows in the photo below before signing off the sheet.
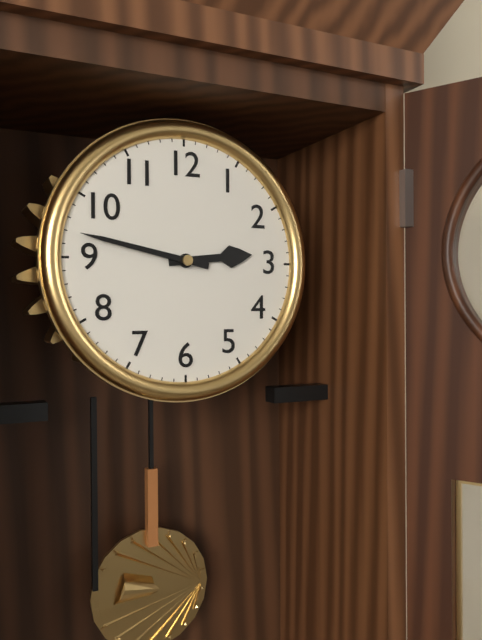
2:47
